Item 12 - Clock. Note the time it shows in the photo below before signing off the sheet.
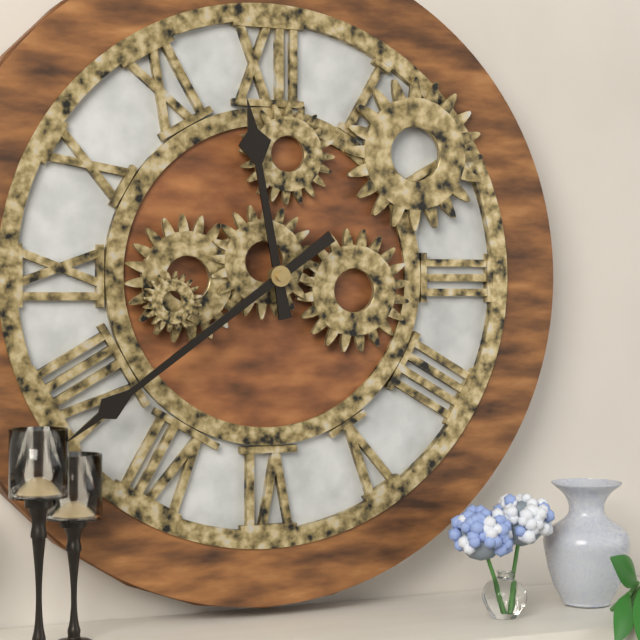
11:39
